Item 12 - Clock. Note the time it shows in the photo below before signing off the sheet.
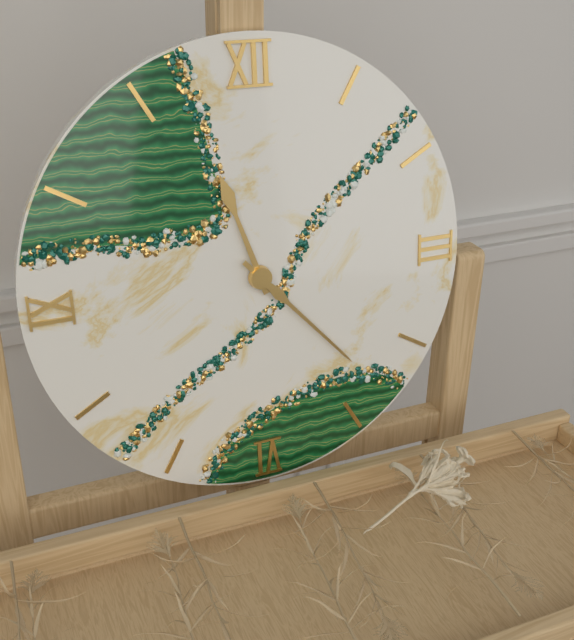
11:23
